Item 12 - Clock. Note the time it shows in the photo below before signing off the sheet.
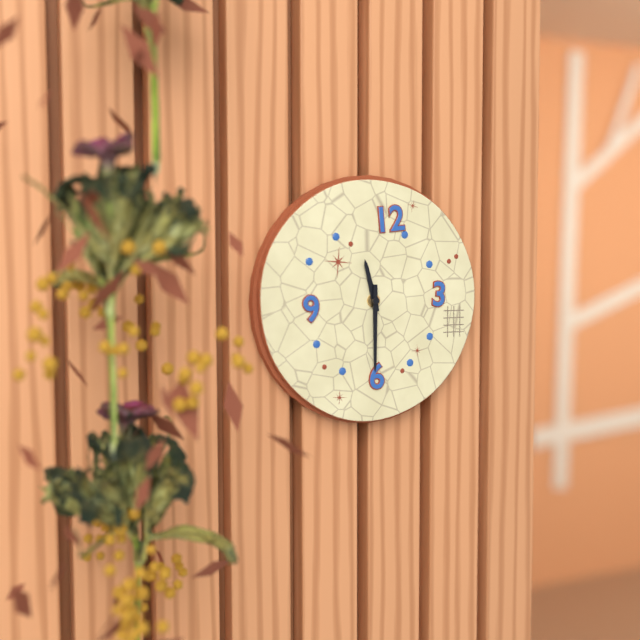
11:30
